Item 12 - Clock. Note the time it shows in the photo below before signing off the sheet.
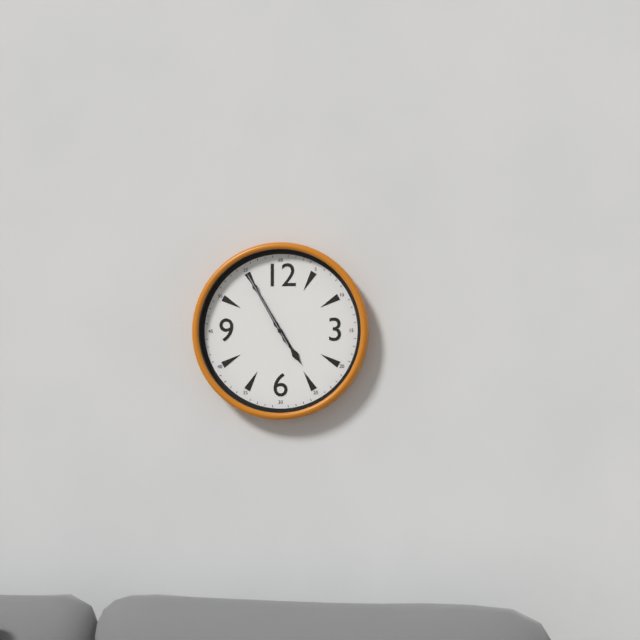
4:55:55
